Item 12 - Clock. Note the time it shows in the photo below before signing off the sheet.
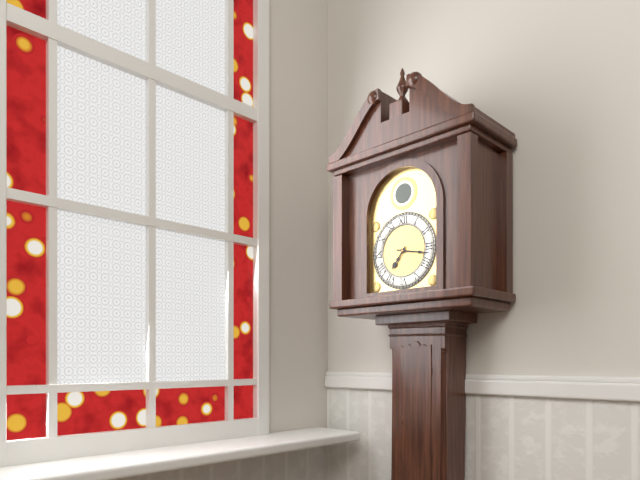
7:17
